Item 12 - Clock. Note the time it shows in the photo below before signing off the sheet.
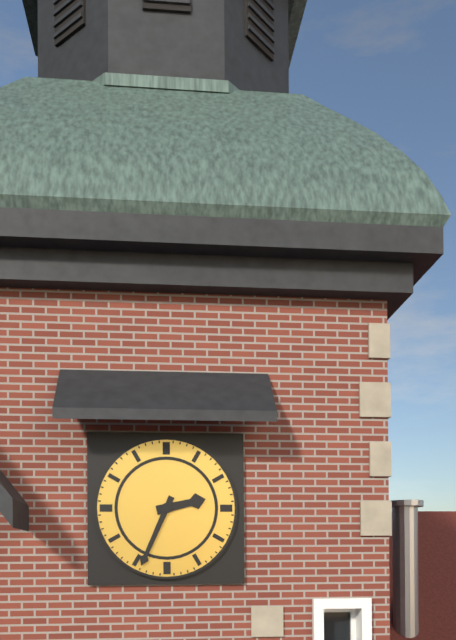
2:34
